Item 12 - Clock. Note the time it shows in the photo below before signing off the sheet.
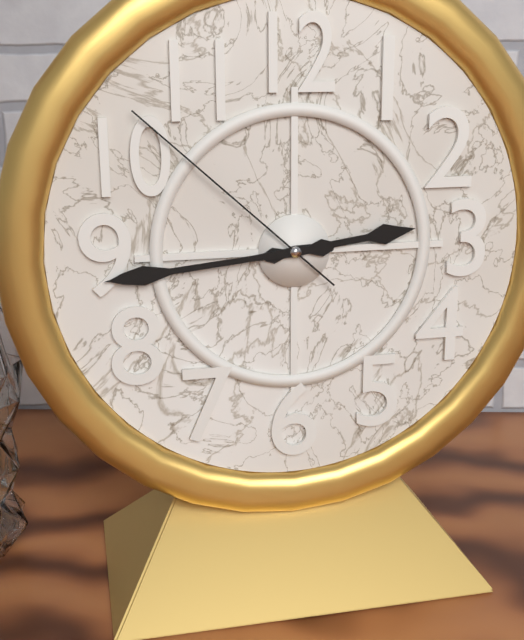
2:44:52
